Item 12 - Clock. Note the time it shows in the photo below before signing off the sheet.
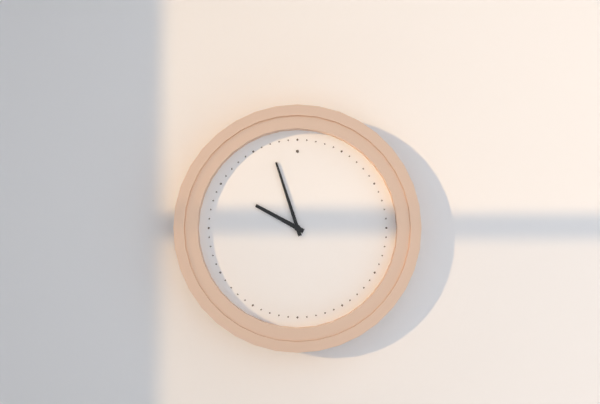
9:57
